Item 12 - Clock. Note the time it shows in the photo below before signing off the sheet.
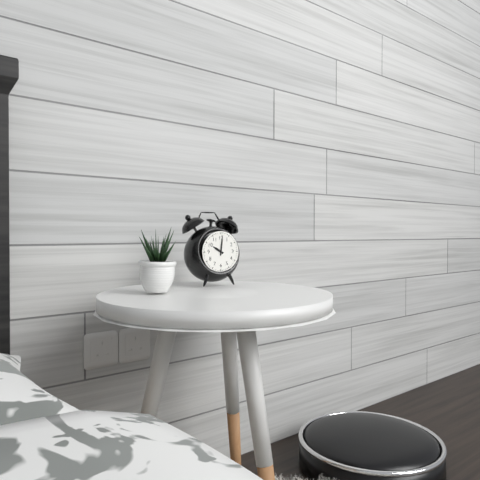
10:01
